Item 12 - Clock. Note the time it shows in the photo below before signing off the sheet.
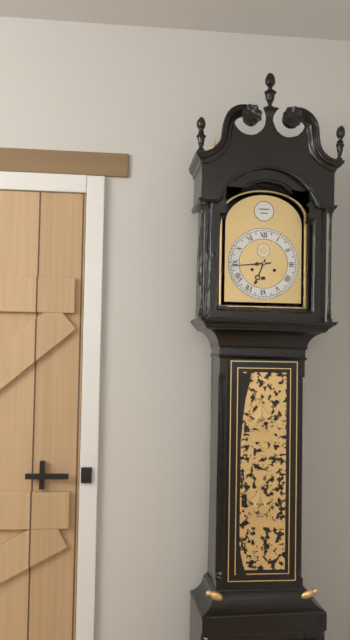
6:44
